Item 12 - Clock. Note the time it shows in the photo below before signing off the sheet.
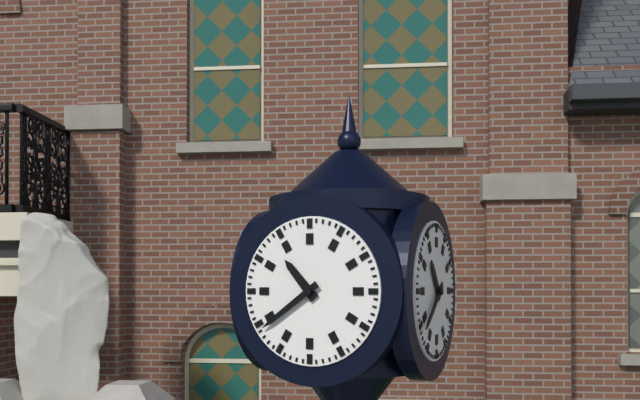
10:39
